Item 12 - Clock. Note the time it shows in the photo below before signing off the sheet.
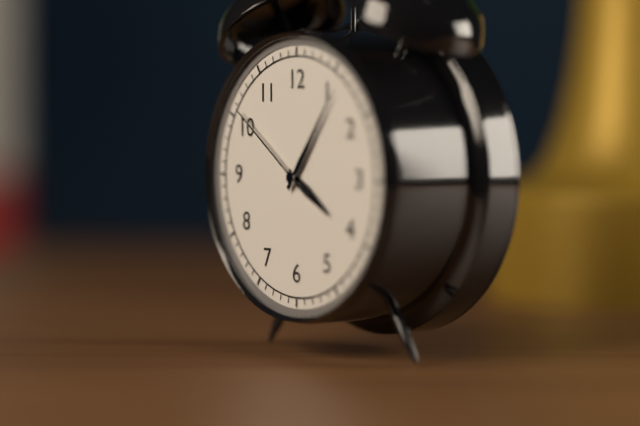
4:06:51
